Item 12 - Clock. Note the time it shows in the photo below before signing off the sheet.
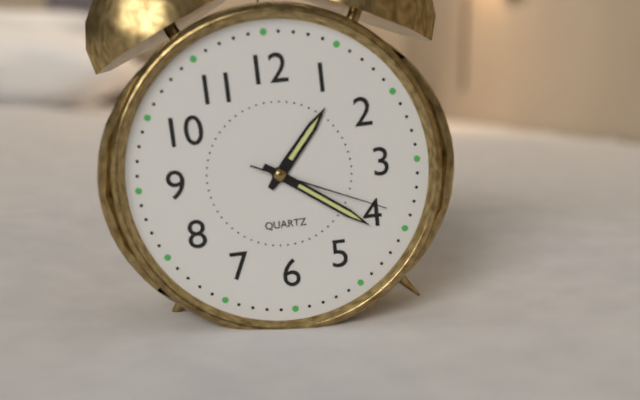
1:21:19
